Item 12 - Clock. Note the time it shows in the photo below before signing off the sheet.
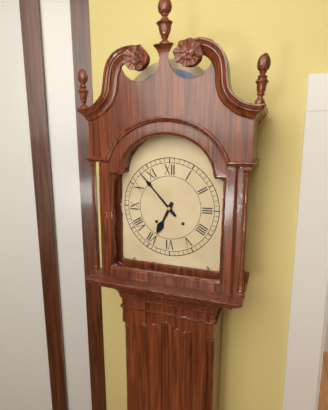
6:53
